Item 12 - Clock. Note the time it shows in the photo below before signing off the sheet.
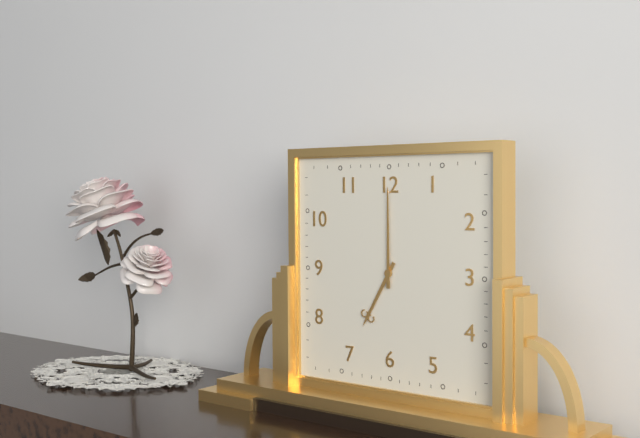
7:00
